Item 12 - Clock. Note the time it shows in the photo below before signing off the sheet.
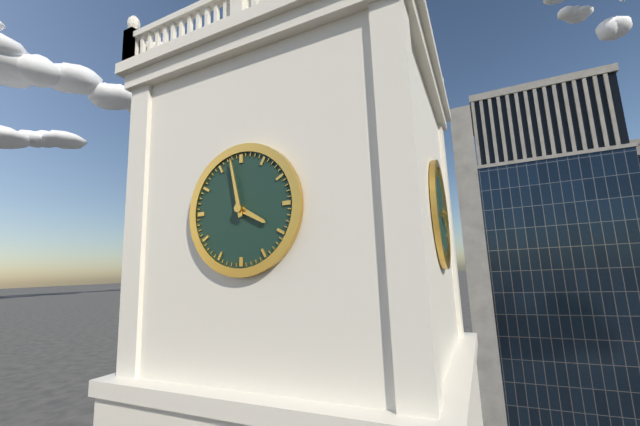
3:58
